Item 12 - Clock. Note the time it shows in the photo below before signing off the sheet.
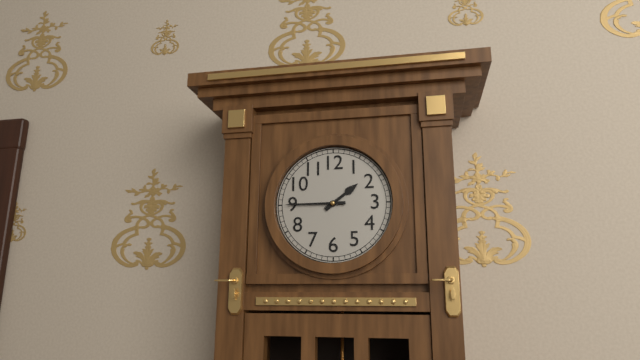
1:45
